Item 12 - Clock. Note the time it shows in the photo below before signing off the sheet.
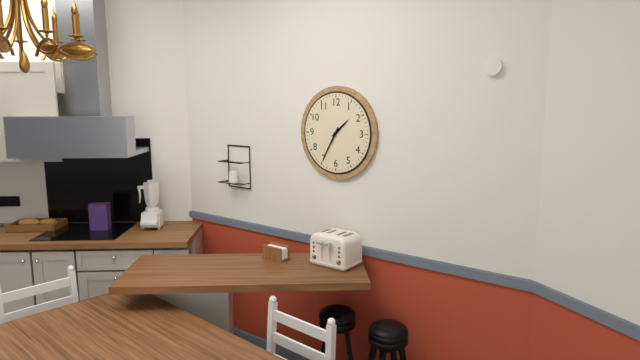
1:35
